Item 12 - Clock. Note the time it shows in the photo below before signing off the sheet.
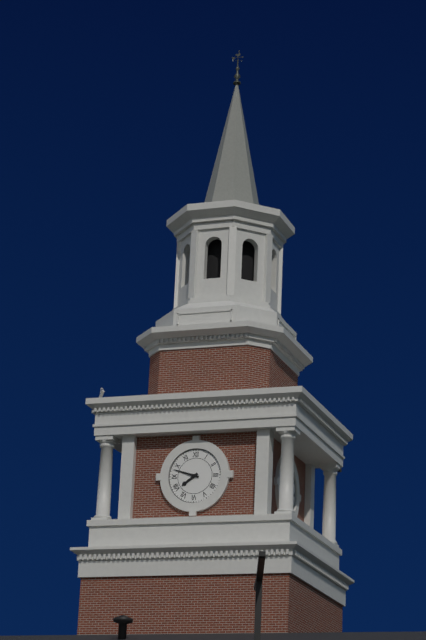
7:48
